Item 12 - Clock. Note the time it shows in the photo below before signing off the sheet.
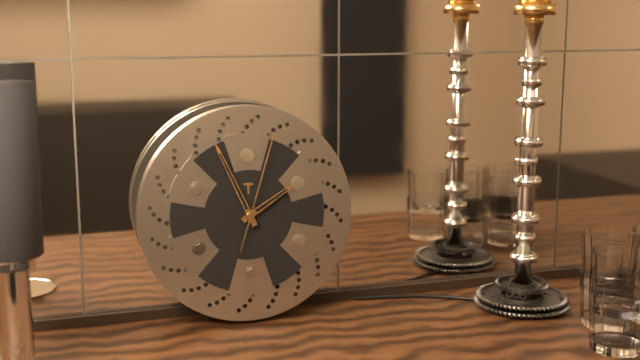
1:56:03
